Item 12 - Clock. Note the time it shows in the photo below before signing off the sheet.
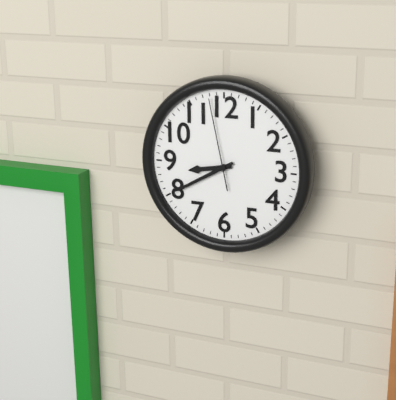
8:40:58
